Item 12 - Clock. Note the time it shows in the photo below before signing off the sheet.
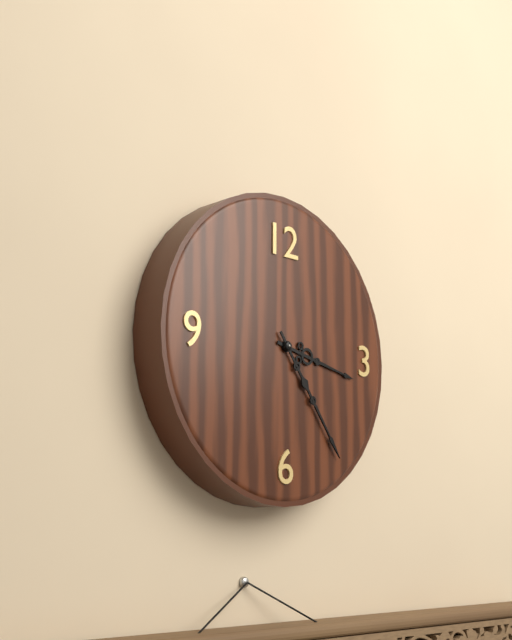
3:24
